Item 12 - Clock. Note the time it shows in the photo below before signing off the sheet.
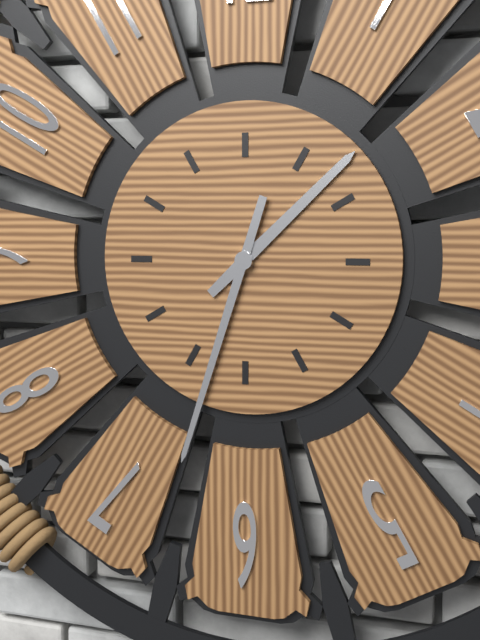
1:33
